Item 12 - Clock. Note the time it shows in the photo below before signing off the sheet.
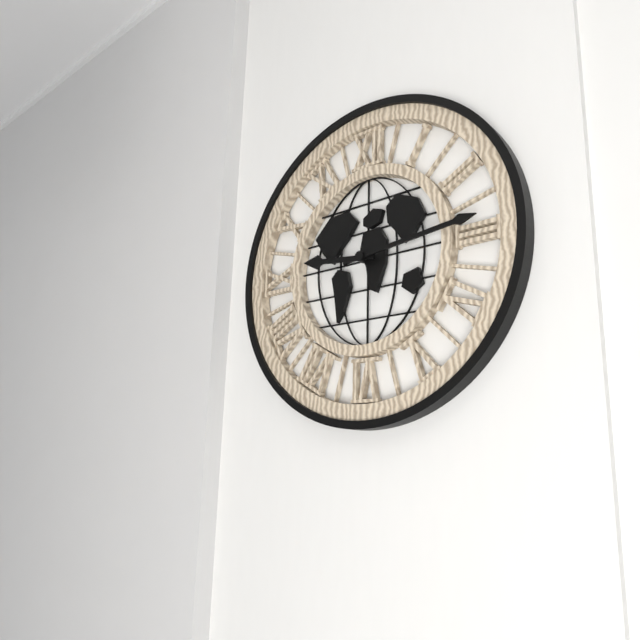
9:14
